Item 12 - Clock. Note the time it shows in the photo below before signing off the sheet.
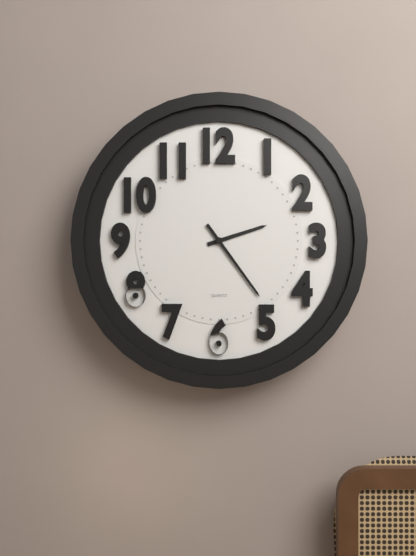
2:24
